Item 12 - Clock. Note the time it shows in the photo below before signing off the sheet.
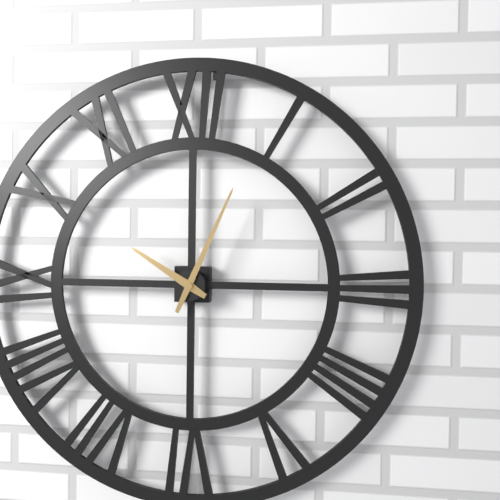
10:04
